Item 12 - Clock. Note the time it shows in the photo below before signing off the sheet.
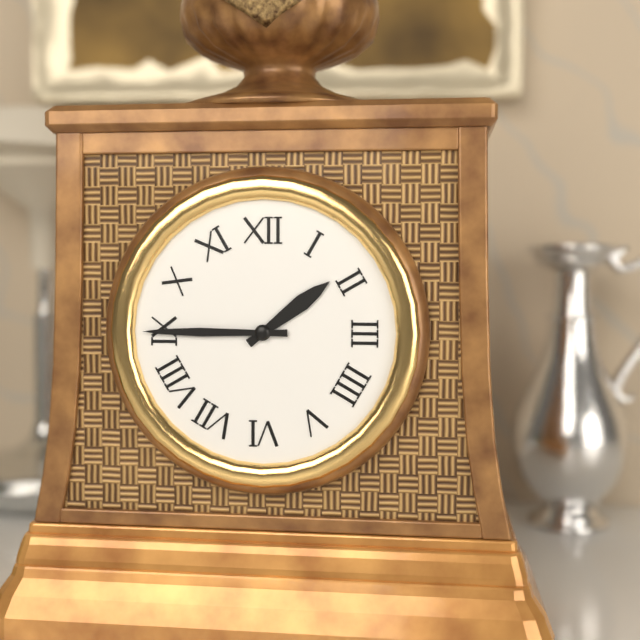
1:45
